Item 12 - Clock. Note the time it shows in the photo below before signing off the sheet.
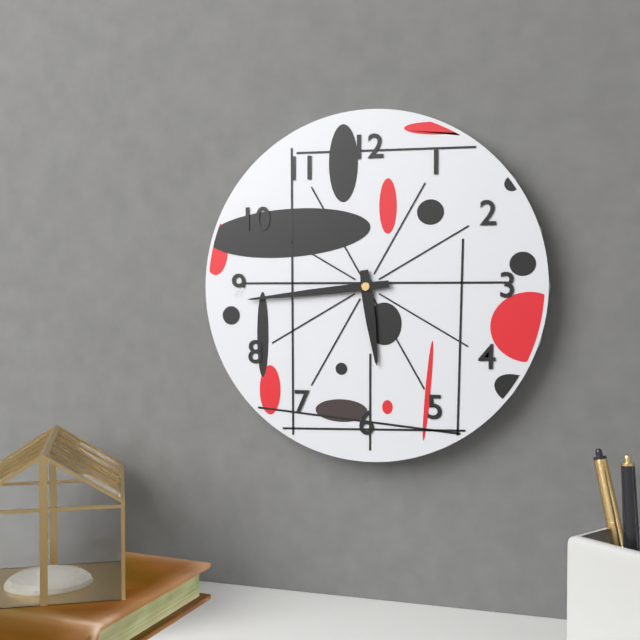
5:44
